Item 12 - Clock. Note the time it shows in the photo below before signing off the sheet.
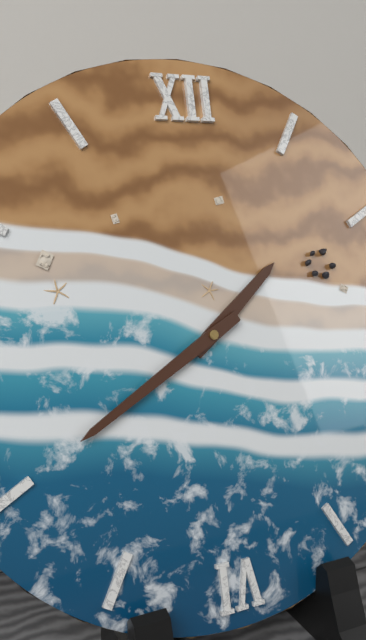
1:40
